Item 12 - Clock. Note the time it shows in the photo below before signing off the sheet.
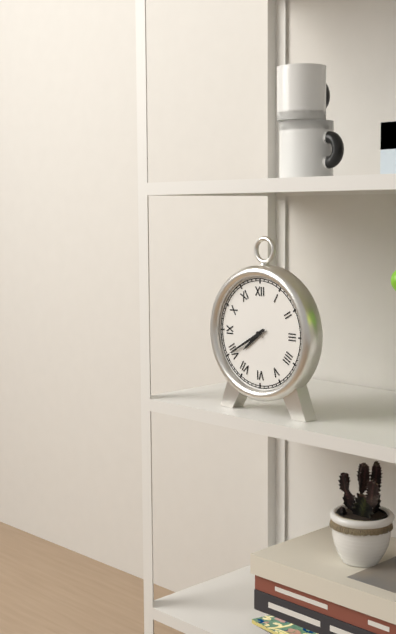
7:40
